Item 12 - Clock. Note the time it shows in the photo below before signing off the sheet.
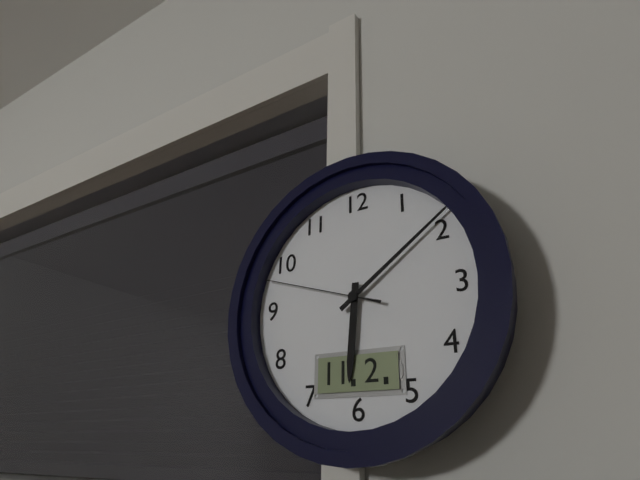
6:09:48
